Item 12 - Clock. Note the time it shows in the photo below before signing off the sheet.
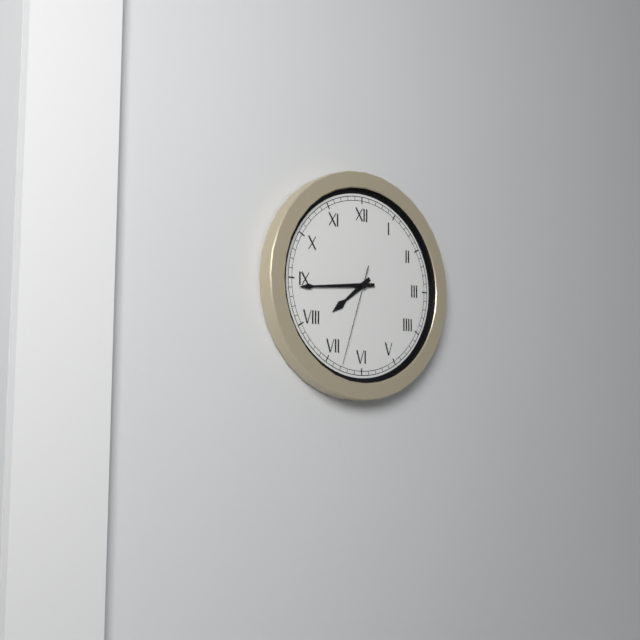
7:44:33
